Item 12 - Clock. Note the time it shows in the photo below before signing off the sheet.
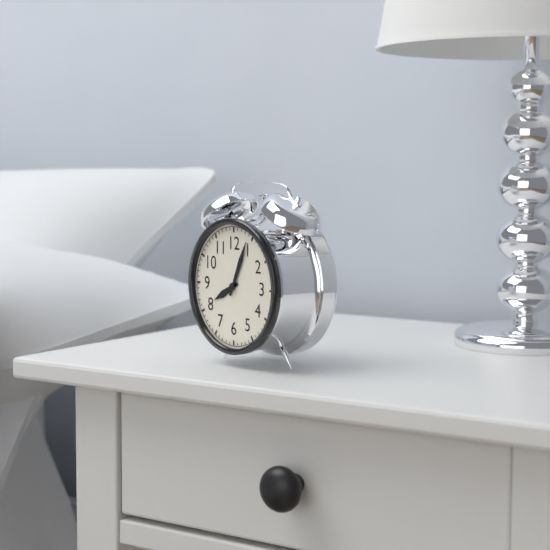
8:04
